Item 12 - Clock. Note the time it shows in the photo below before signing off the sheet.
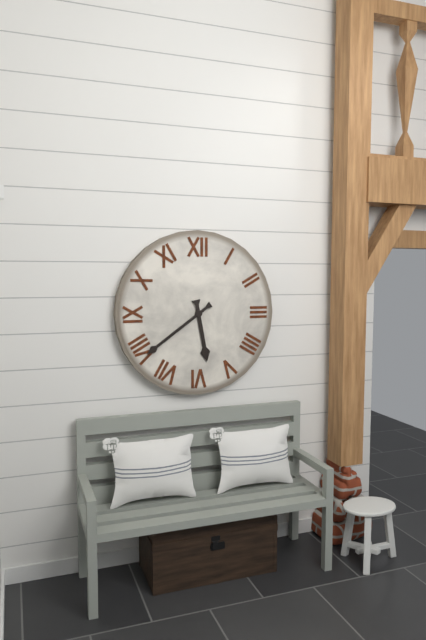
5:39
